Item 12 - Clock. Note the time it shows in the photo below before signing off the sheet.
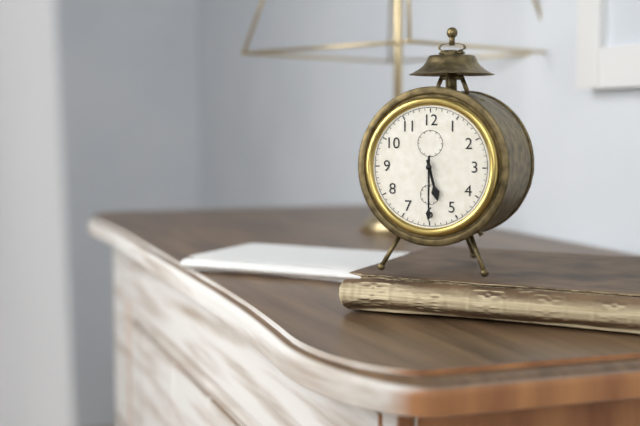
5:30
